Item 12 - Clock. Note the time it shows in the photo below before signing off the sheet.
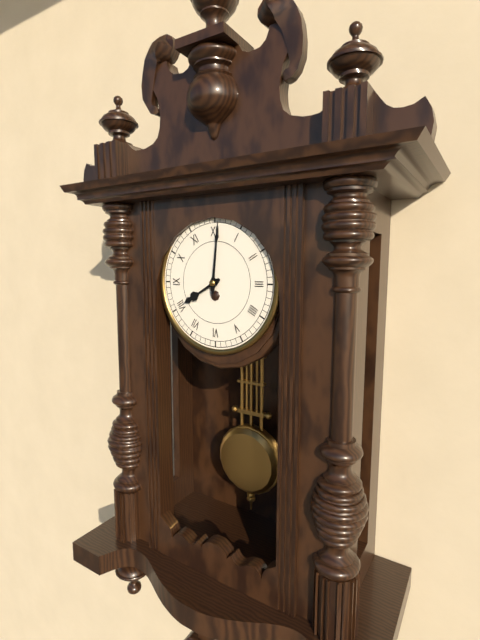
8:01
